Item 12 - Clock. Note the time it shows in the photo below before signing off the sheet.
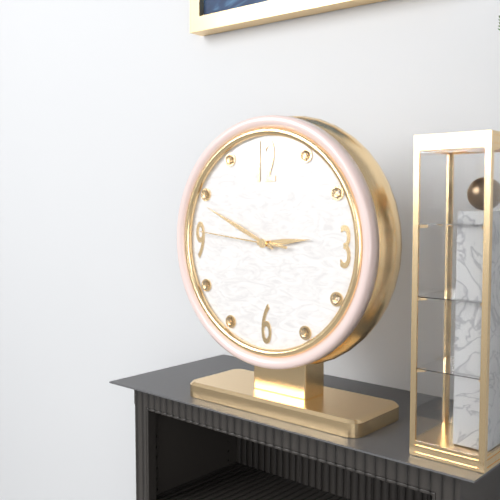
2:49:46
